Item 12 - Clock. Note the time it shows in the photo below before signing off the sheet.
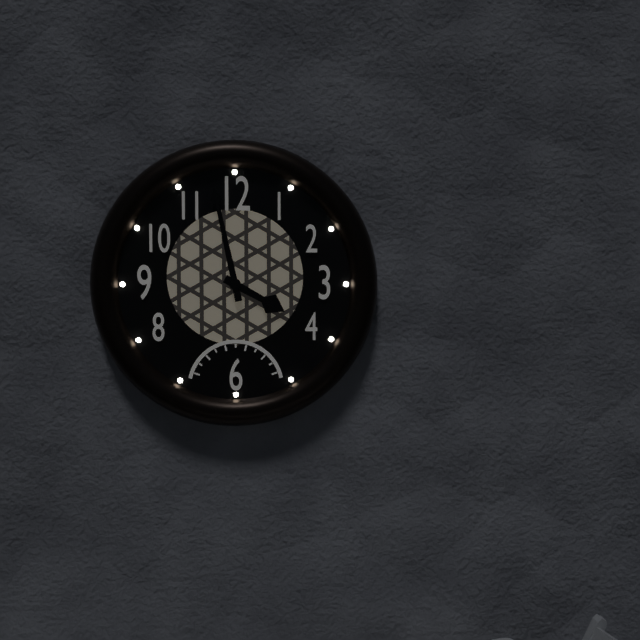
3:58
